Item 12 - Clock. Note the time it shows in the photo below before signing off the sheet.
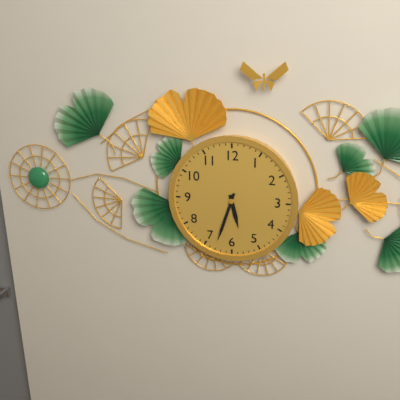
5:33
